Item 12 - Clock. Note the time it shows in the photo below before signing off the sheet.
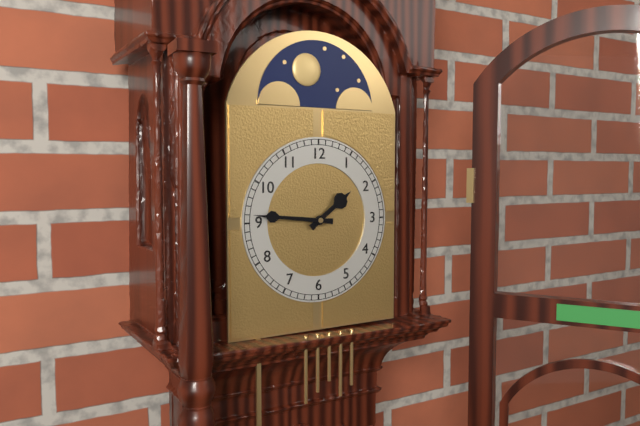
1:46
